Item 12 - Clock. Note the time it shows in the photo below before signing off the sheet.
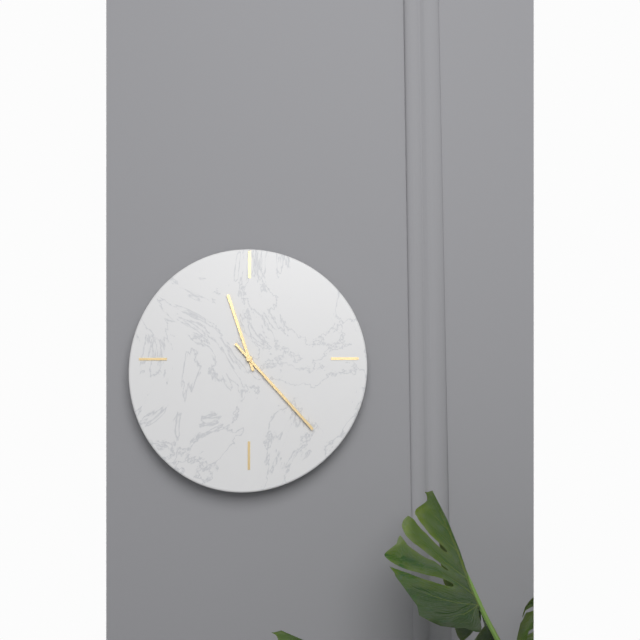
11:23
